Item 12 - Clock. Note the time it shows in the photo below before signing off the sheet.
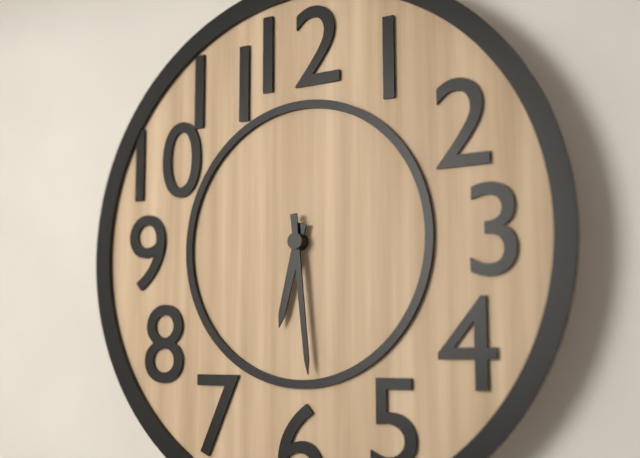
6:29
